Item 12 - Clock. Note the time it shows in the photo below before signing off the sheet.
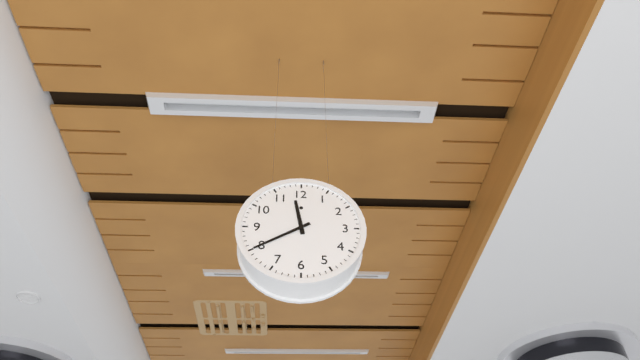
11:40
